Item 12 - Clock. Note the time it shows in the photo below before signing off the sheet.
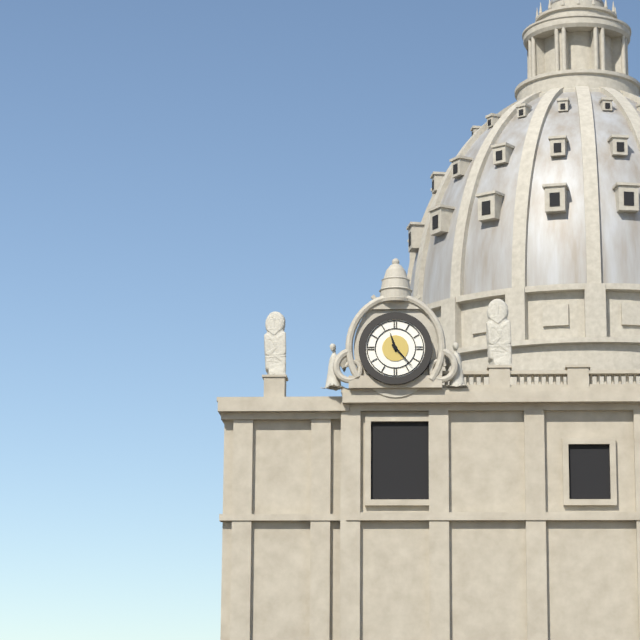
11:23
